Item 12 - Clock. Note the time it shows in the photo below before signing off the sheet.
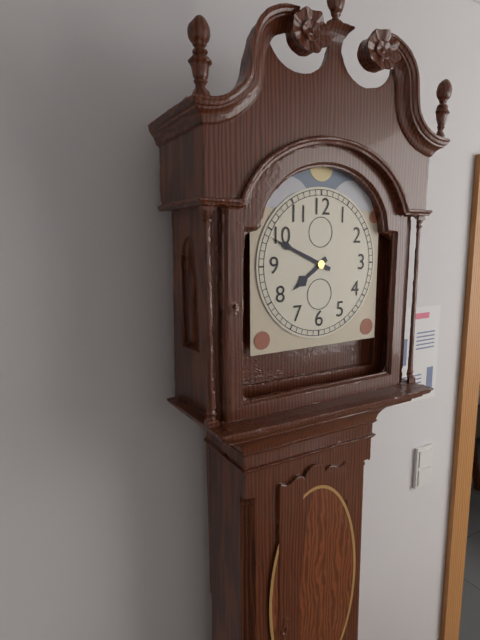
7:49
